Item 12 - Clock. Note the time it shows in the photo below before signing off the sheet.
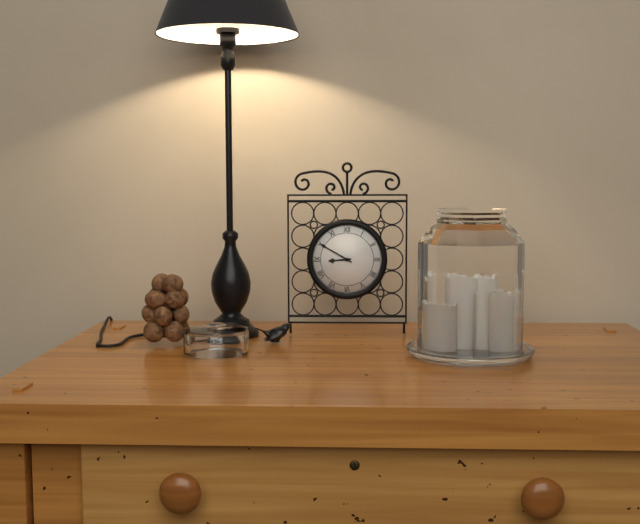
8:50
